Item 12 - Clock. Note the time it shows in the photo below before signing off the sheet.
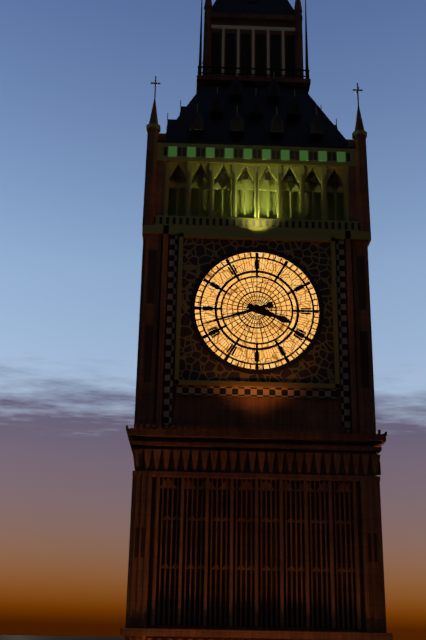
3:42
